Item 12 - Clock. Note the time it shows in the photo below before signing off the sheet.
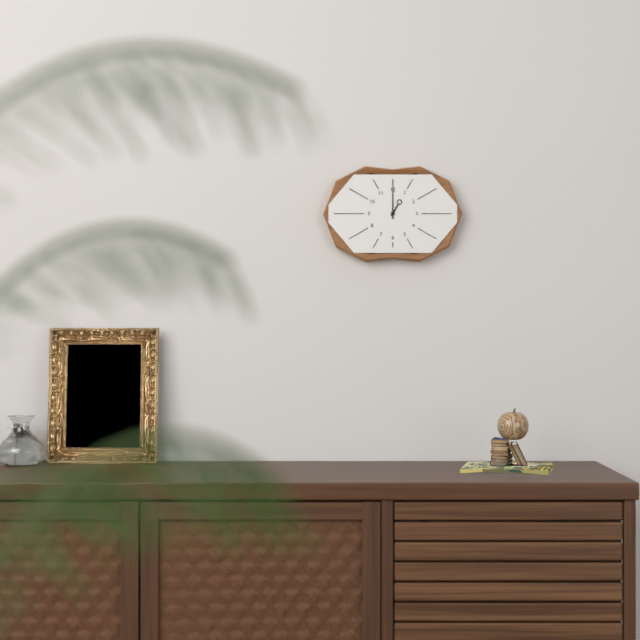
1:00
